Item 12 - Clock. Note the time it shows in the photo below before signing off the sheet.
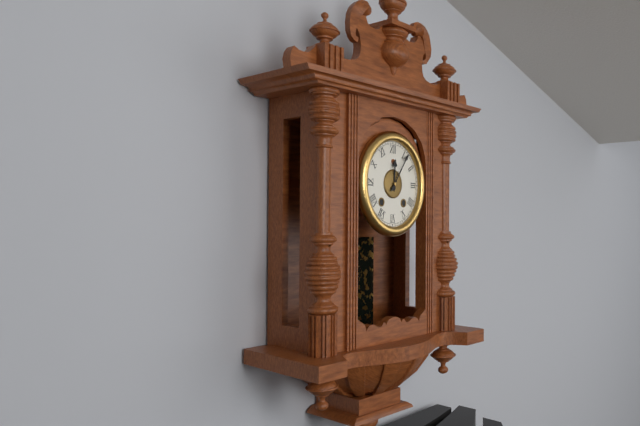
12:06
